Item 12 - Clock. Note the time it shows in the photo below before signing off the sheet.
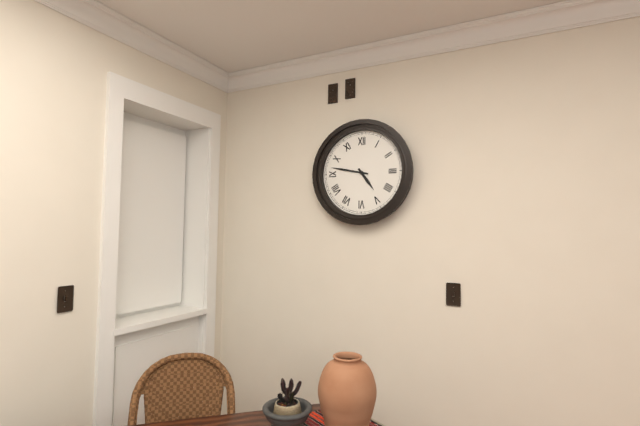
4:47
